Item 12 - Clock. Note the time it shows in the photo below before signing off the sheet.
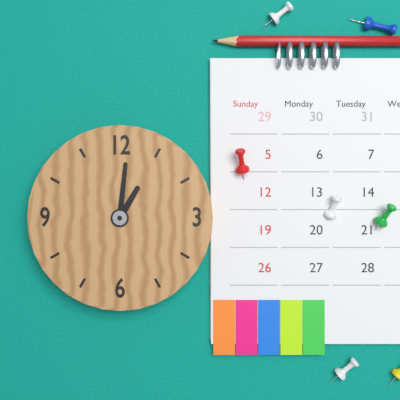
1:01
